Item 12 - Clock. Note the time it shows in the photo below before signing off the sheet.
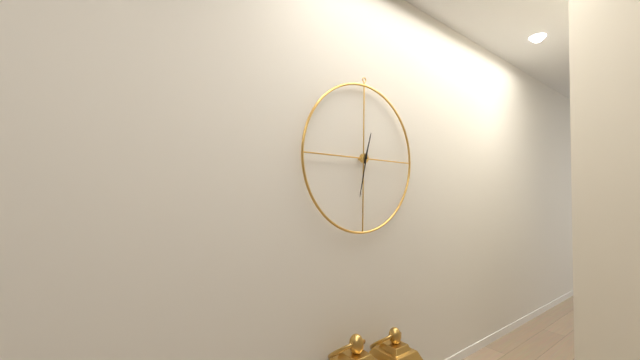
12:32
